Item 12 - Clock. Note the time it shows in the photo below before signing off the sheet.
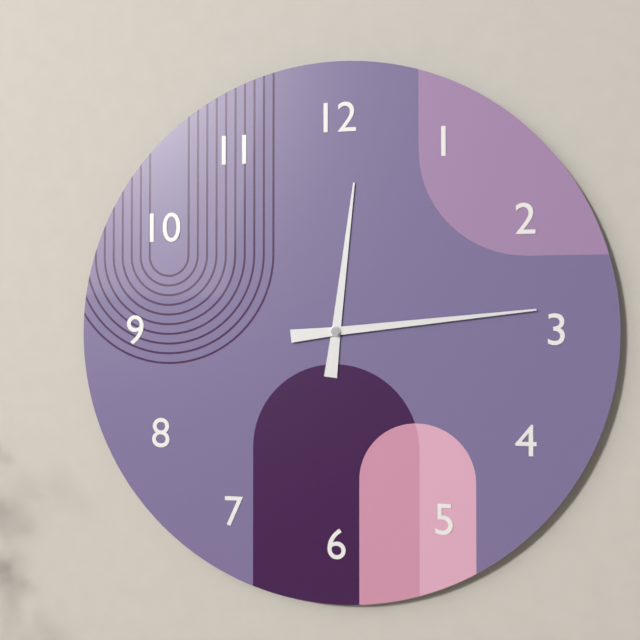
12:14
